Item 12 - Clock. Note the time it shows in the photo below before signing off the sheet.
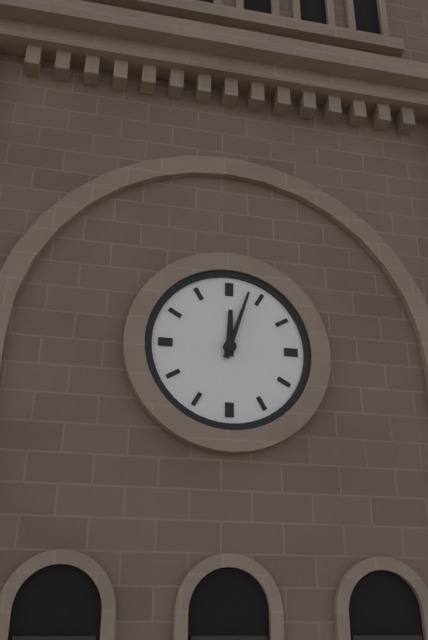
12:03
